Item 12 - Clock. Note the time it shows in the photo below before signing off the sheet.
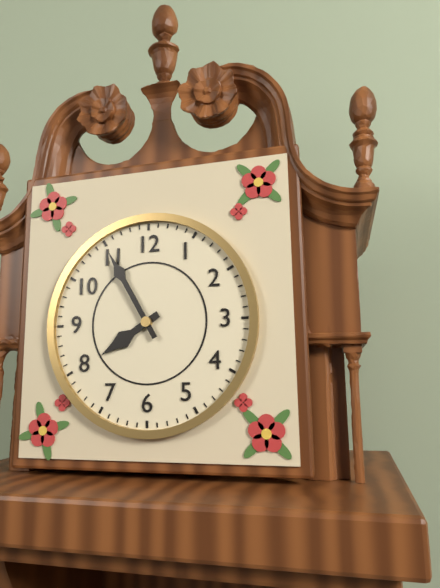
7:55
